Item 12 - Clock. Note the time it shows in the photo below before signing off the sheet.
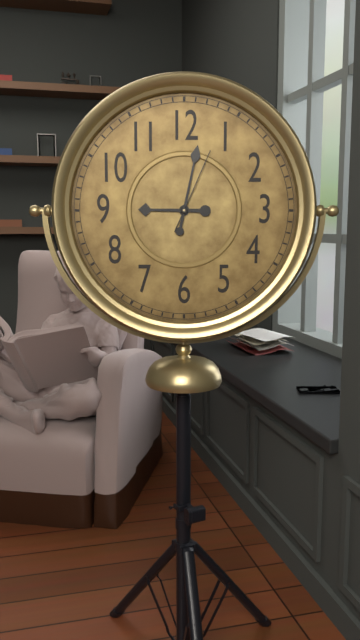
9:02:04
